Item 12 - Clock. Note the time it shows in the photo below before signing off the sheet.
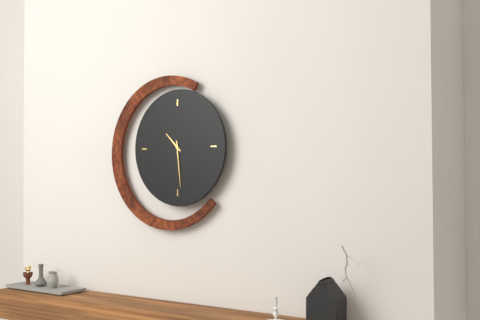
10:29
